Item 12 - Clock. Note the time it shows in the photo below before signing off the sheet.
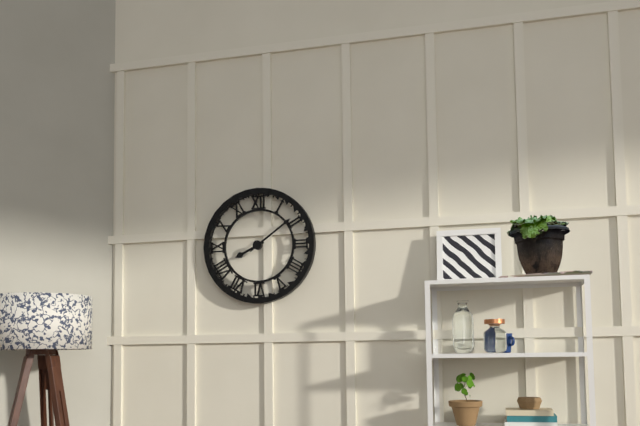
8:09
